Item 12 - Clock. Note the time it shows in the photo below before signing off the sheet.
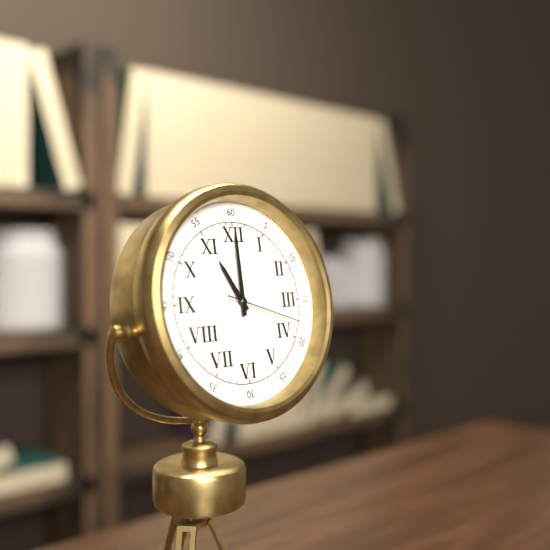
11:00:18
